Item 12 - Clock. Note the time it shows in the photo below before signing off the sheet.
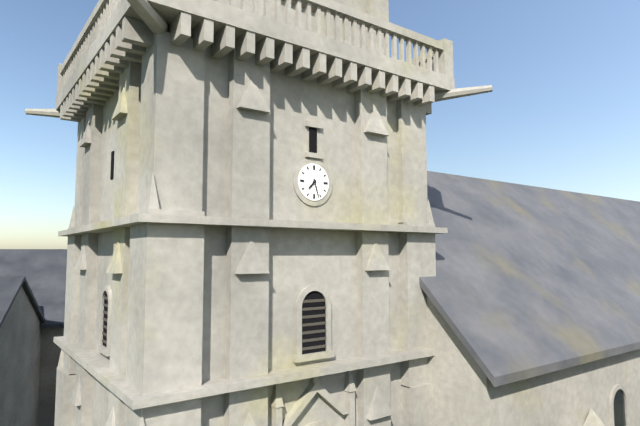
7:27
